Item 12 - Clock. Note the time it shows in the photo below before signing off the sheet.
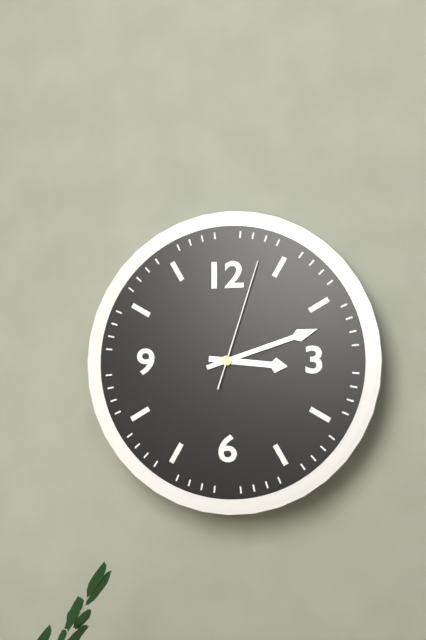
3:12:03
